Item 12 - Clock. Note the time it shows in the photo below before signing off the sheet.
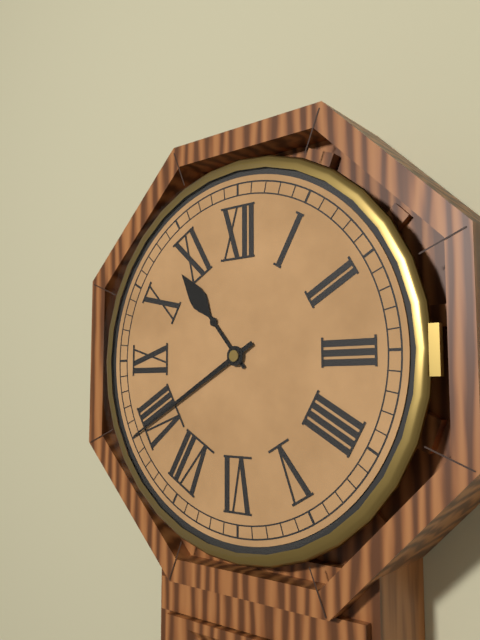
10:40
